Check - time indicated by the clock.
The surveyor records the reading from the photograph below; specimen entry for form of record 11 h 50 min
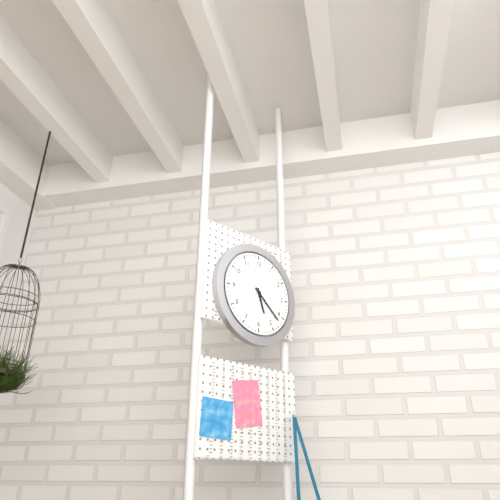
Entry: 5 h 22 min
